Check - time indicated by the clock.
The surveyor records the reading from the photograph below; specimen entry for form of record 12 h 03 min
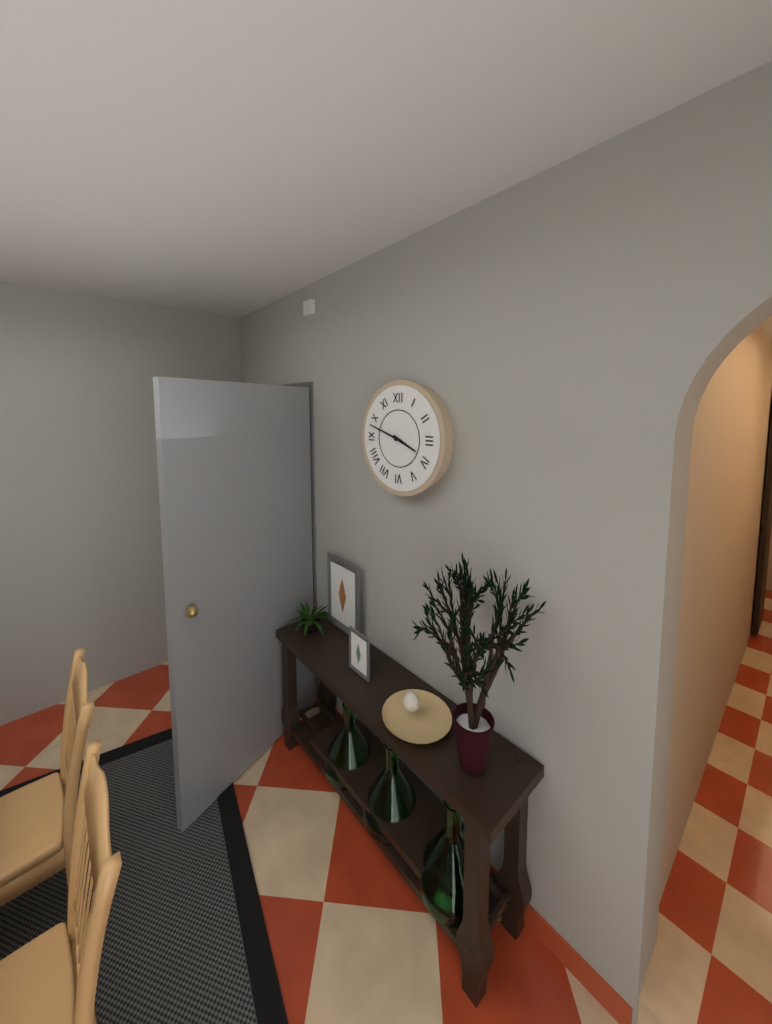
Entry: 3 h 48 min
